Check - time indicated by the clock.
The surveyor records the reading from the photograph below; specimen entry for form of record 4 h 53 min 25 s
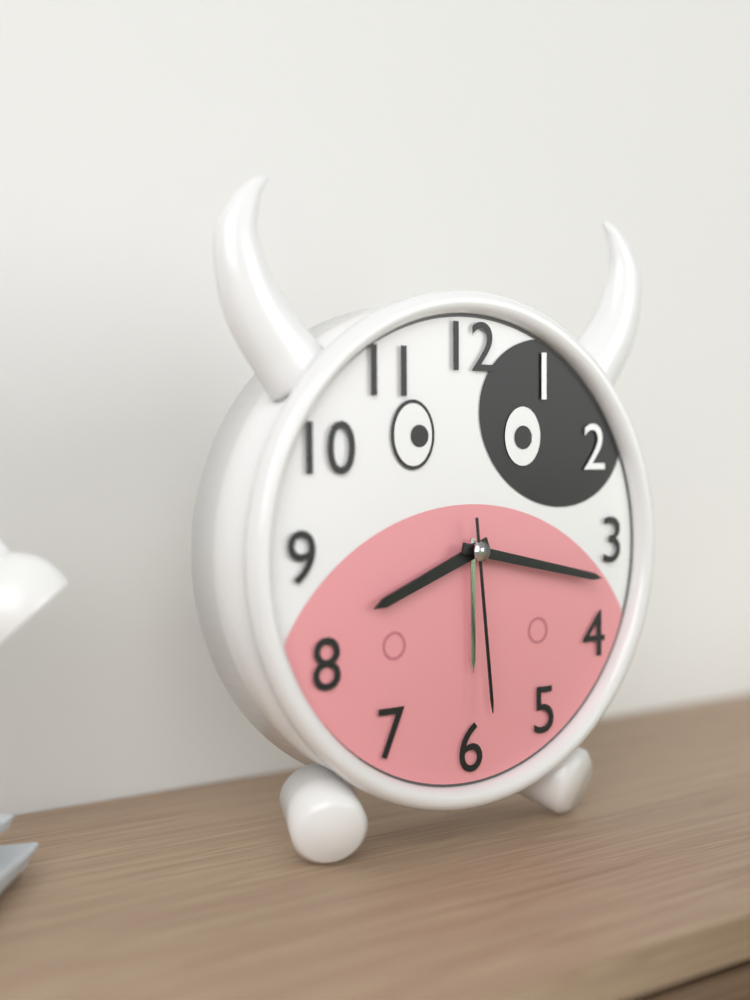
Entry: 8 h 17 min 29 s
